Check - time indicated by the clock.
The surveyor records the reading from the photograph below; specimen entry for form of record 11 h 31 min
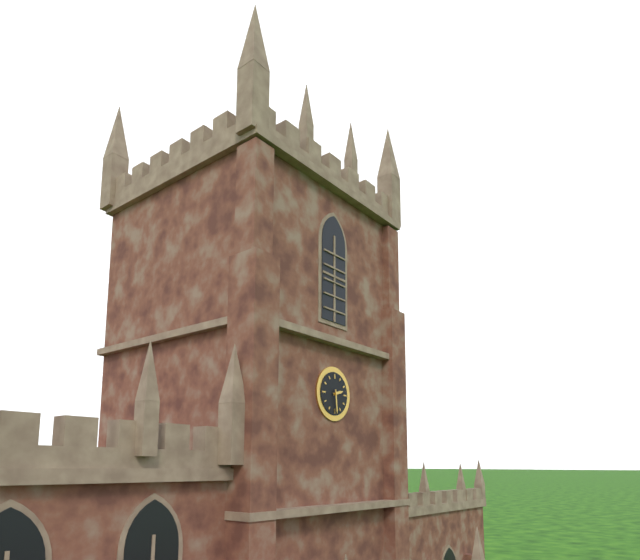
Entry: 2 h 29 min
